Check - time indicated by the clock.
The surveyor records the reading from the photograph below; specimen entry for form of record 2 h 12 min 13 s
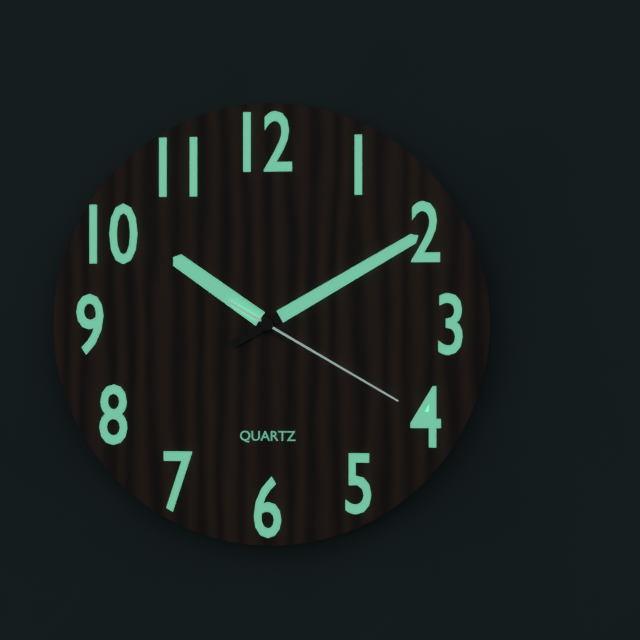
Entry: 10 h 10 min 20 s
